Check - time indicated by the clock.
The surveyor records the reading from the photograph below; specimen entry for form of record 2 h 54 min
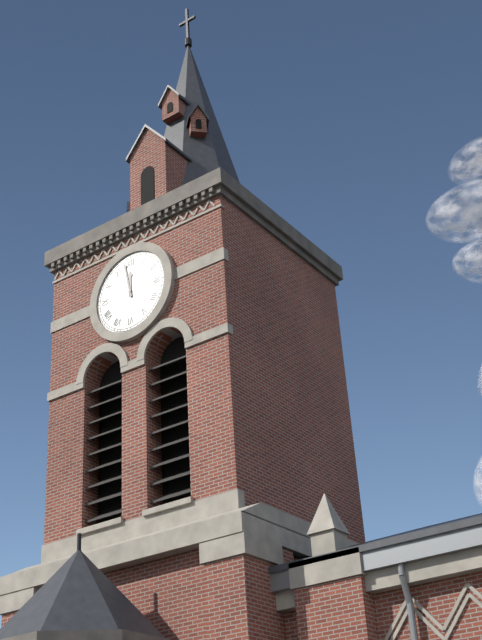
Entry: 11 h 58 min
